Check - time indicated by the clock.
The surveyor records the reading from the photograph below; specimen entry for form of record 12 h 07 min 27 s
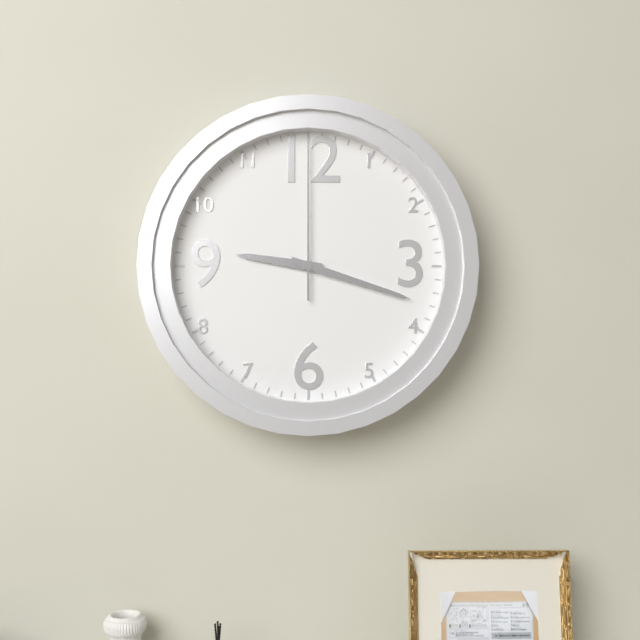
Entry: 9 h 18 min 00 s
